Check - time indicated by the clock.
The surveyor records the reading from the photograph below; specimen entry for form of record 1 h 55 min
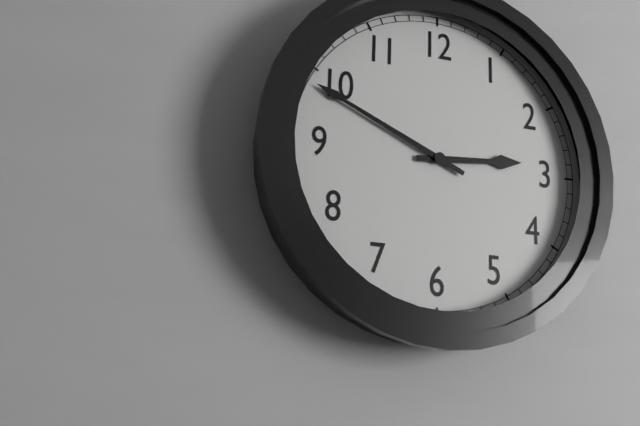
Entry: 2 h 49 min
